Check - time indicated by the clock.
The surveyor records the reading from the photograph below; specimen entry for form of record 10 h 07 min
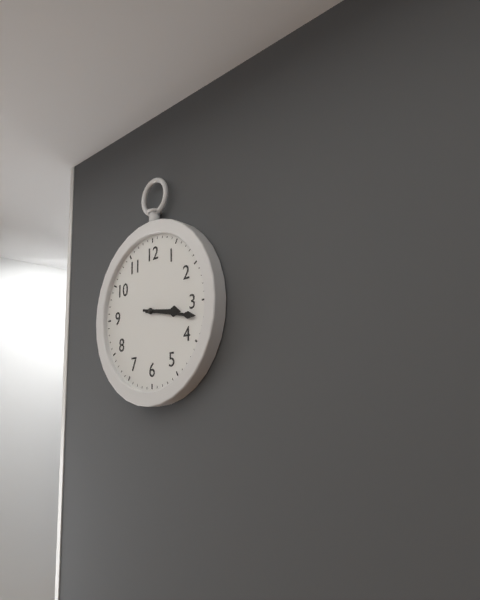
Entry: 3 h 17 min
